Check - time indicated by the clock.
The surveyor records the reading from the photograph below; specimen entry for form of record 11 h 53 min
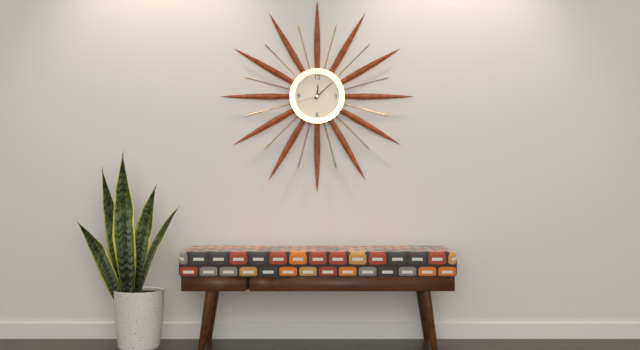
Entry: 12 h 08 min
